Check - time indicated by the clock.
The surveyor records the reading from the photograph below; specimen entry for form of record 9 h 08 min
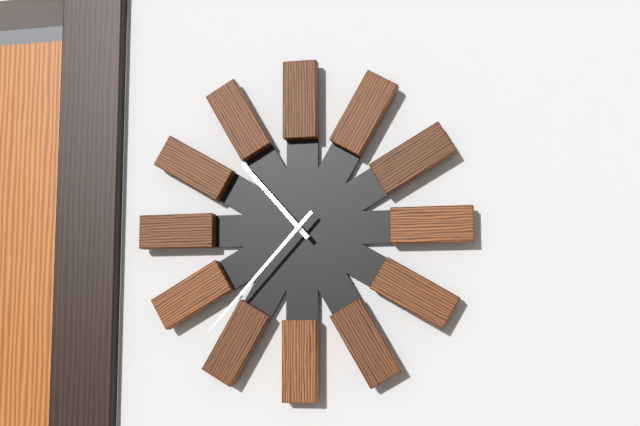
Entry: 10 h 37 min
